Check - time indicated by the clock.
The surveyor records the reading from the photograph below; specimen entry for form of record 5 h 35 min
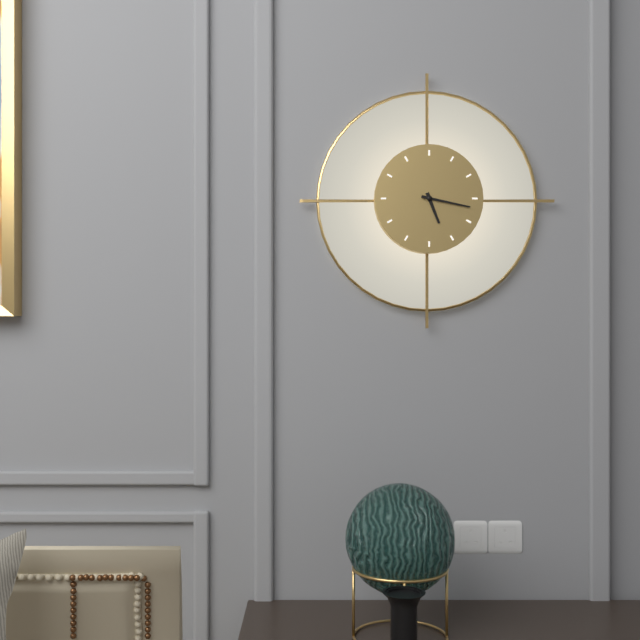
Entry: 5 h 17 min
